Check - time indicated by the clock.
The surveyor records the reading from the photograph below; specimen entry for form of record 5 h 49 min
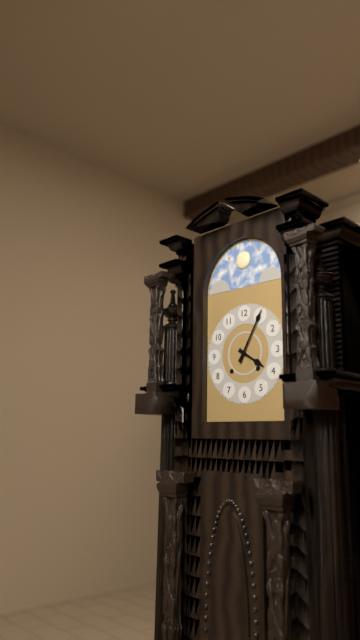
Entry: 4 h 05 min
